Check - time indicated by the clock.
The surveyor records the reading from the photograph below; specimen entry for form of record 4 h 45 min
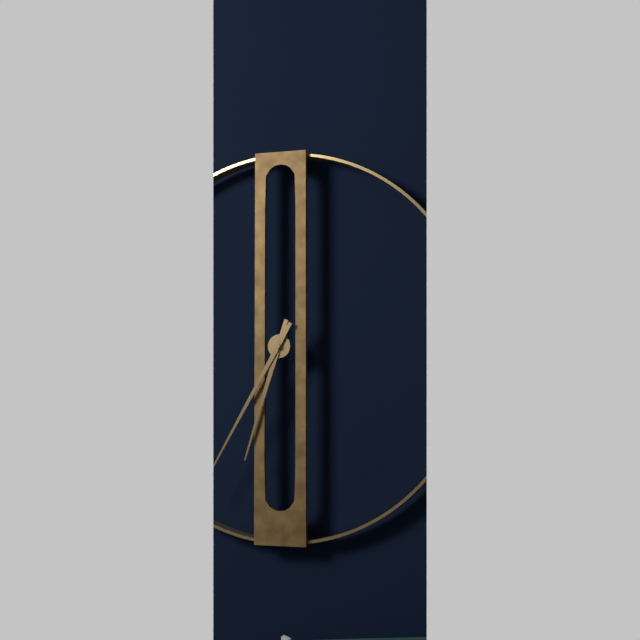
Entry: 6 h 35 min
